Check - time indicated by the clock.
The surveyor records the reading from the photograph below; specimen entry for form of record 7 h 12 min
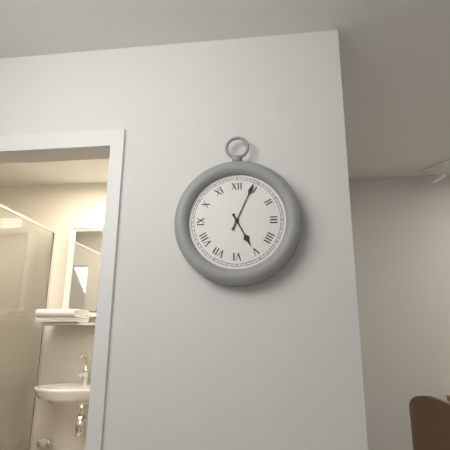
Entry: 5 h 04 min
